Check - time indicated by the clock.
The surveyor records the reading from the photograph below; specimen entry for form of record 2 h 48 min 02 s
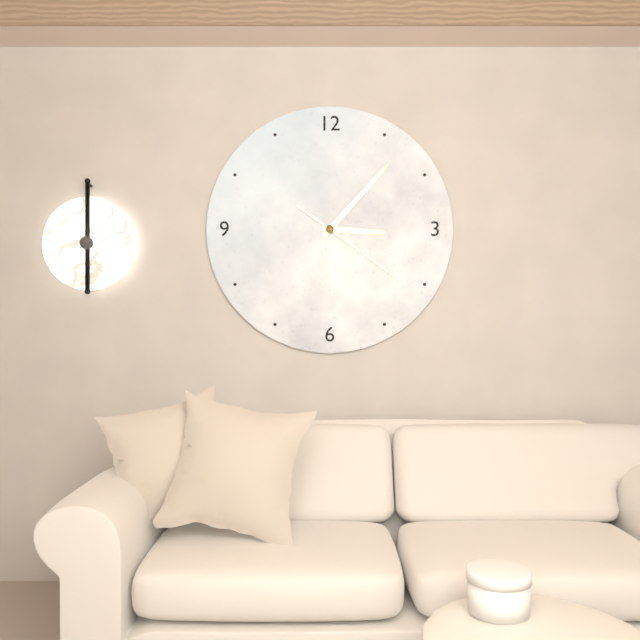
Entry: 3 h 07 min 21 s
